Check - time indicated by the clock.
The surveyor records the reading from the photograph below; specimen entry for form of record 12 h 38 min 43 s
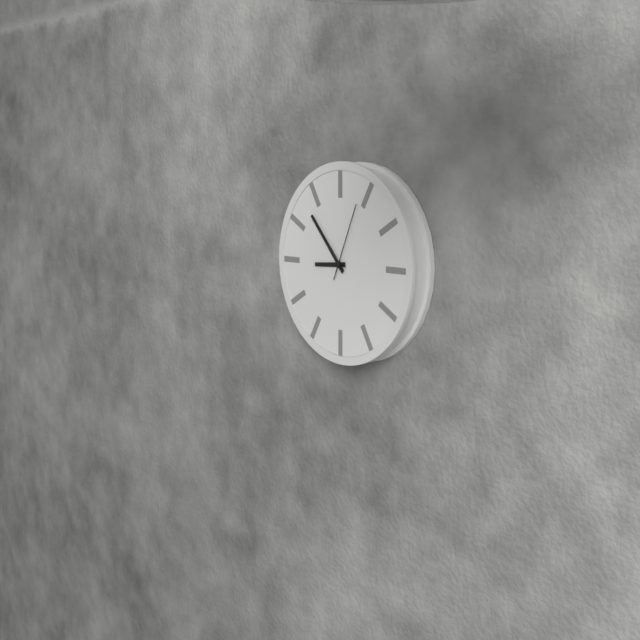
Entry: 8 h 53 min 04 s
